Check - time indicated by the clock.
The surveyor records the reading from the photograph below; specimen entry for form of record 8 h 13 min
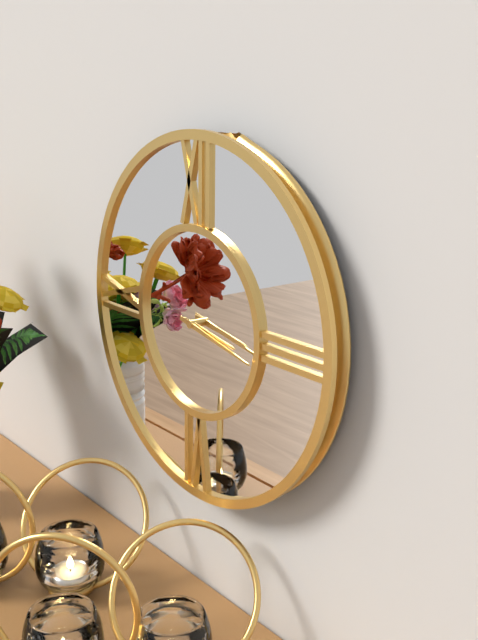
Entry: 3 h 17 min
